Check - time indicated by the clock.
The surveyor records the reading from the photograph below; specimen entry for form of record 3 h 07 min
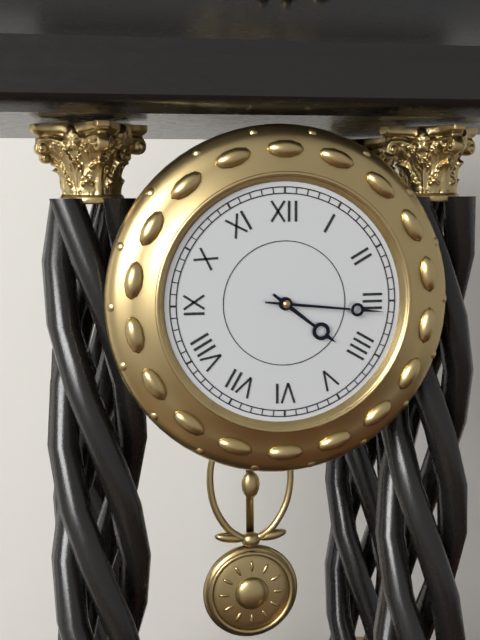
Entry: 4 h 16 min
